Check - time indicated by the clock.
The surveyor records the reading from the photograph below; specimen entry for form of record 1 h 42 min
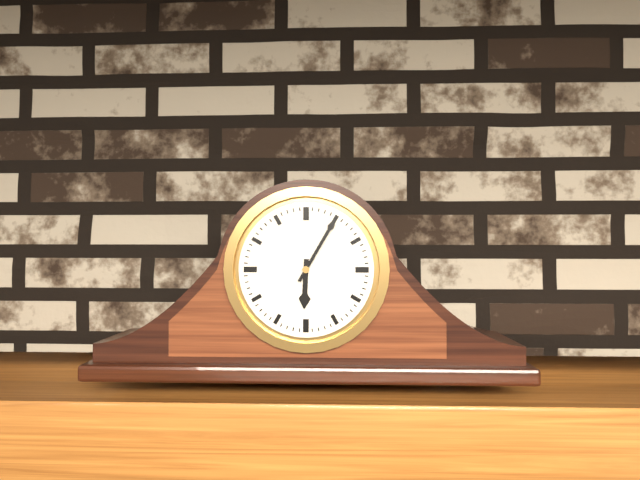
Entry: 6 h 05 min
